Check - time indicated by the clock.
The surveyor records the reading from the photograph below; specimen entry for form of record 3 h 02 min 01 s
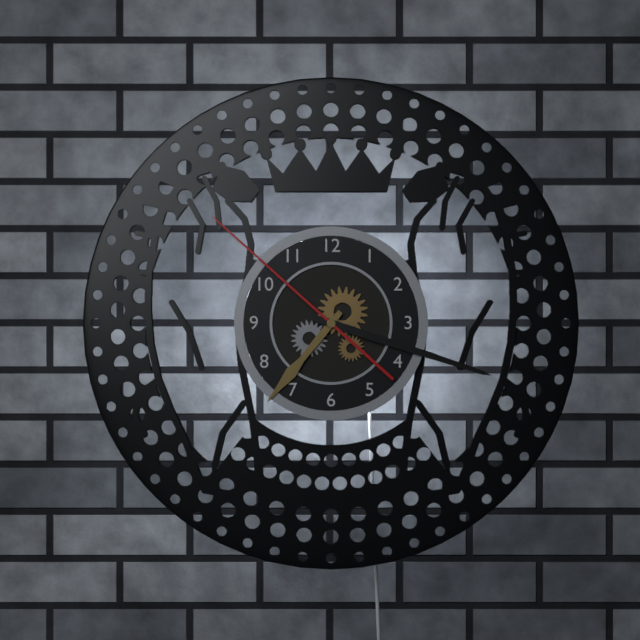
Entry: 7 h 18 min 52 s
